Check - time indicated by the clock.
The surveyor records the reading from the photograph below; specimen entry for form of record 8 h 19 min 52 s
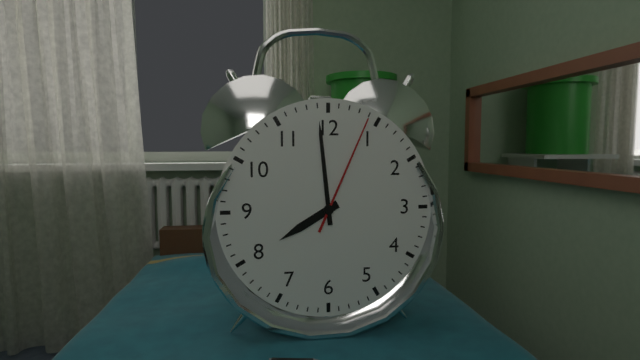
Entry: 7 h 59 min 04 s
